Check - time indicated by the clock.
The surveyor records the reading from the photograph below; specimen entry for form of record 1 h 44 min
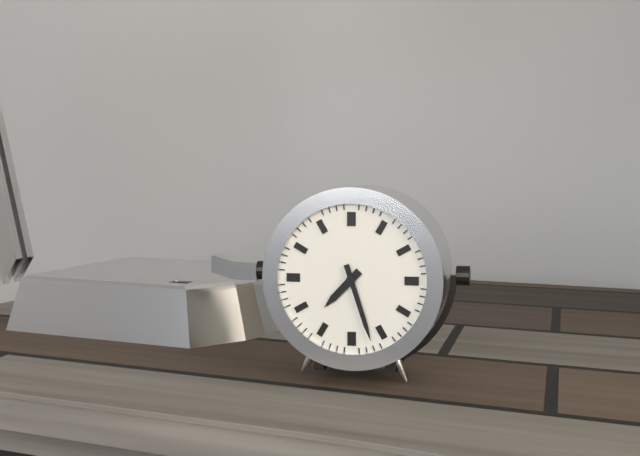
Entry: 7 h 27 min
